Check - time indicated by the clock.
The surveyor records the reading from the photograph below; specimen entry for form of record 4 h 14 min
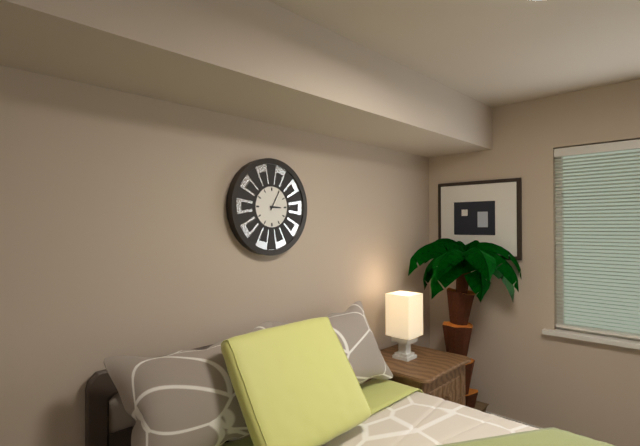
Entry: 3 h 05 min
